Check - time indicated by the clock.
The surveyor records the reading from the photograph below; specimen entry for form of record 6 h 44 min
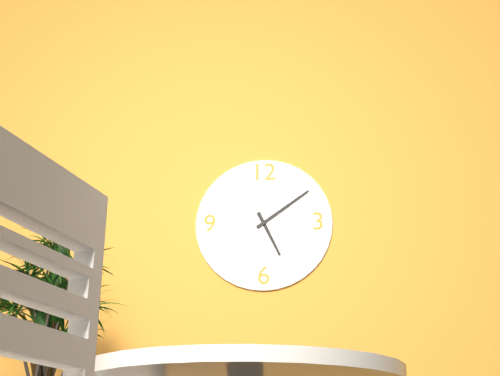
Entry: 5 h 09 min
